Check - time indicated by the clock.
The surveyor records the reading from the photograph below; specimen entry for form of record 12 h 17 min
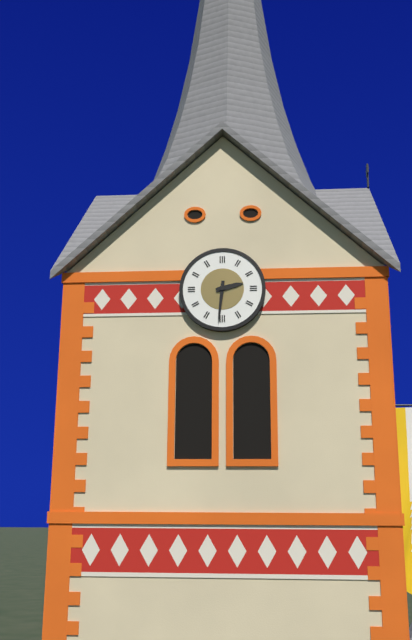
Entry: 2 h 31 min
